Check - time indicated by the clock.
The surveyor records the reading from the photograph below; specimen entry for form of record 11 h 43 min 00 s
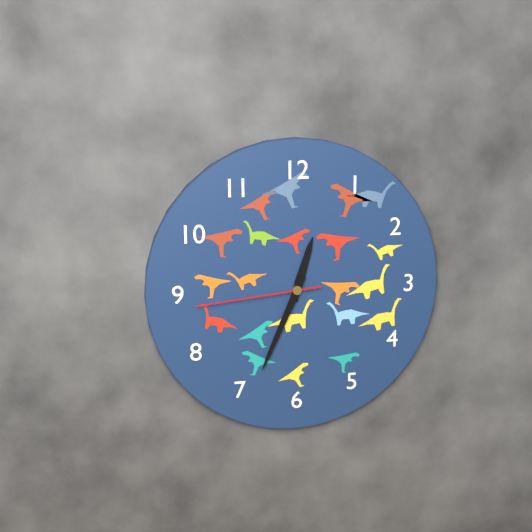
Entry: 12 h 34 min 44 s
